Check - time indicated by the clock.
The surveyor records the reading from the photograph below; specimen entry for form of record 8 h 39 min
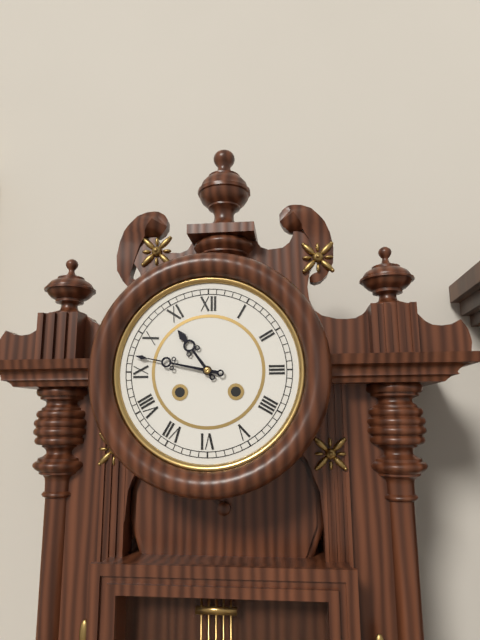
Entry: 10 h 47 min
